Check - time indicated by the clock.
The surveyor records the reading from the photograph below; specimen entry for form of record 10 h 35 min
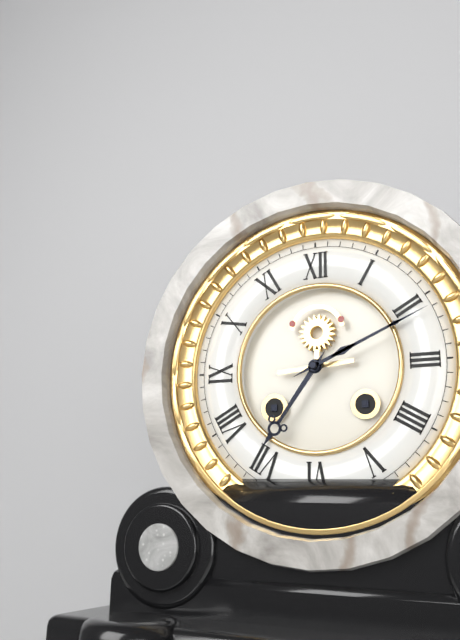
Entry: 7 h 11 min
